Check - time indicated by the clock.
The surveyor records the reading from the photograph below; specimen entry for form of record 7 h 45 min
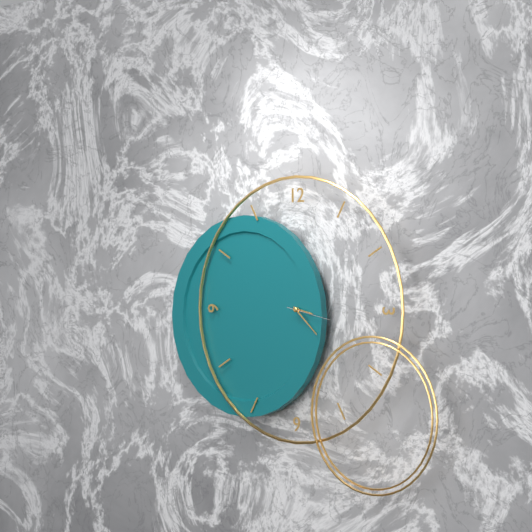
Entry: 3 h 22 min
